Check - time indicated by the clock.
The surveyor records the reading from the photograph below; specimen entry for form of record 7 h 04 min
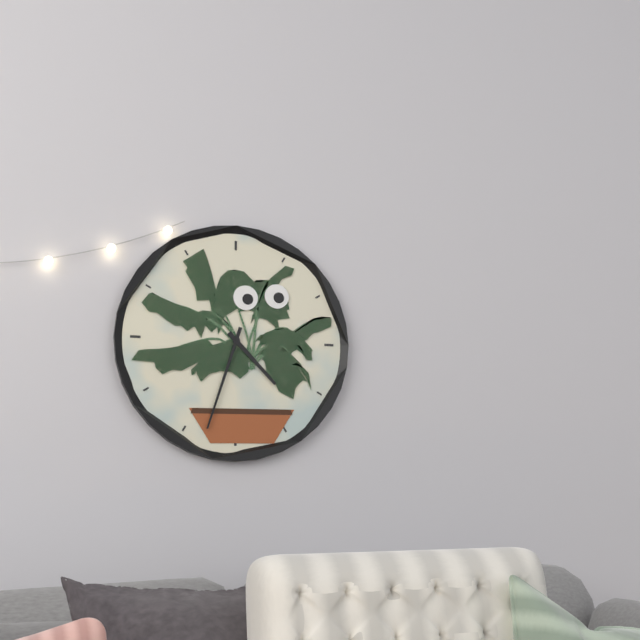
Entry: 4 h 33 min
